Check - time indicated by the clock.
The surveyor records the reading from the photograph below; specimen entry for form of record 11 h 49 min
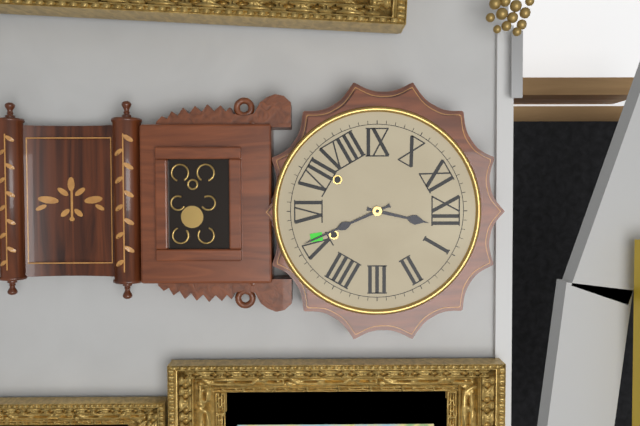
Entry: 12 h 26 min
